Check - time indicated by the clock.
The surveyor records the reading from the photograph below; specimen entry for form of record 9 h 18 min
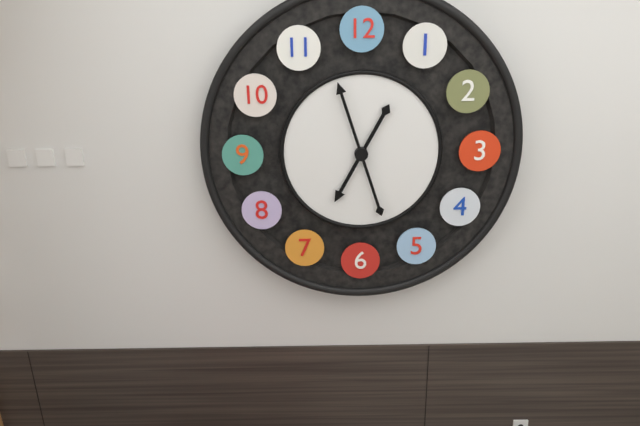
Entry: 6 h 57 min
